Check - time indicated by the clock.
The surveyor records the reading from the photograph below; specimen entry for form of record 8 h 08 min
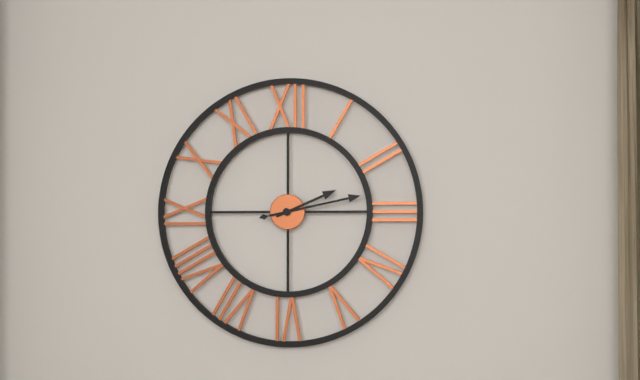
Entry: 2 h 13 min
